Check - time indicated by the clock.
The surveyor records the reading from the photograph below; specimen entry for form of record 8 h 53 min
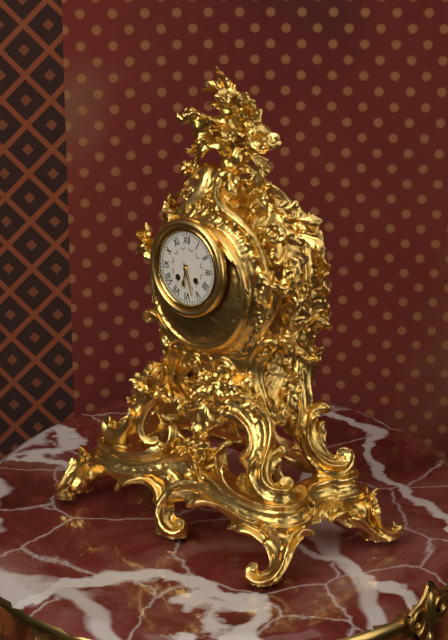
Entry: 6 h 27 min
